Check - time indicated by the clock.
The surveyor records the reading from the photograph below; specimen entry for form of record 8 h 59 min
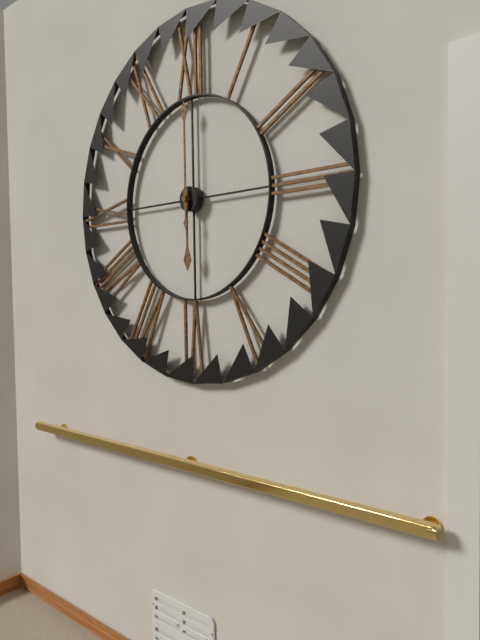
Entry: 6 h 00 min
